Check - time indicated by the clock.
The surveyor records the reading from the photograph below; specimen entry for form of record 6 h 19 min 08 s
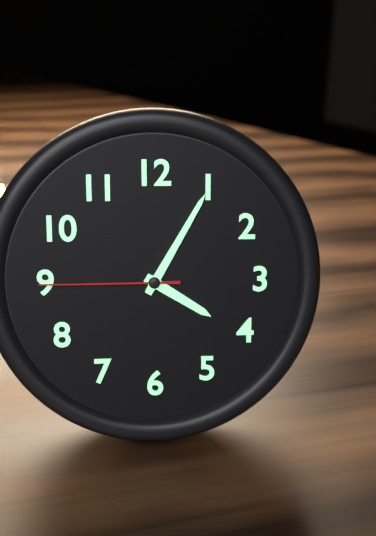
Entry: 4 h 05 min 45 s
